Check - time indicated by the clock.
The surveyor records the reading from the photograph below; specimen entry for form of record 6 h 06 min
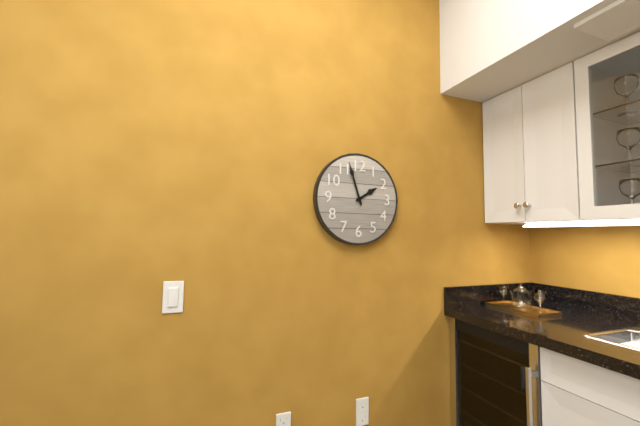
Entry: 1 h 57 min
